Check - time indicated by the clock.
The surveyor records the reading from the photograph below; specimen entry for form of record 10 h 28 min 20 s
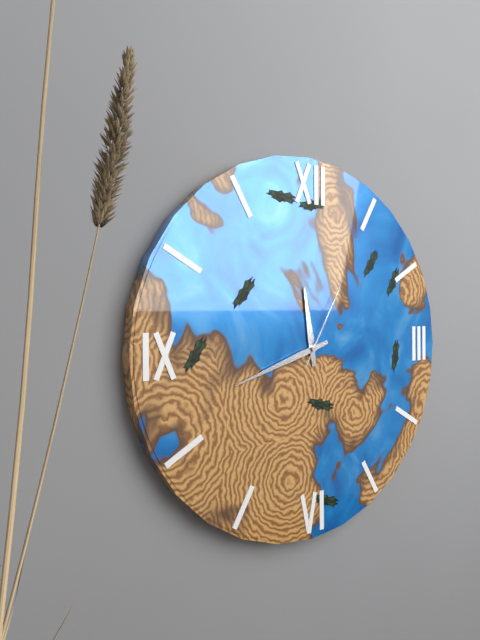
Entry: 11 h 42 min 05 s
